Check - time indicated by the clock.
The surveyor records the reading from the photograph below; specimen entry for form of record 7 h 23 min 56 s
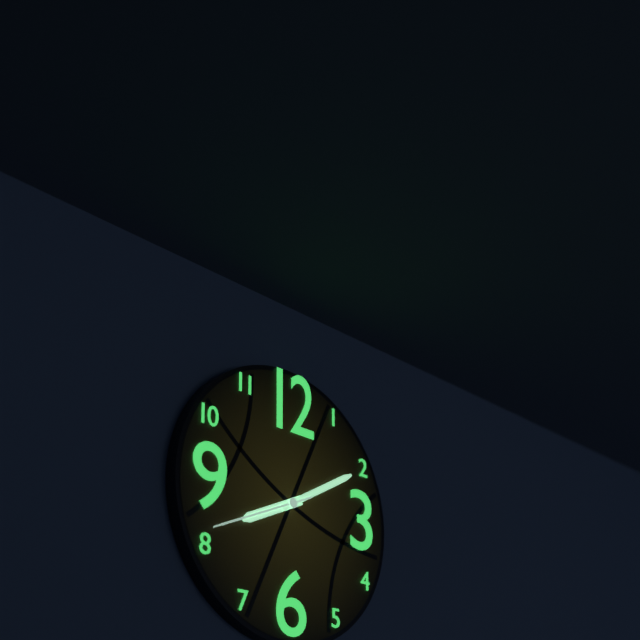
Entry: 8 h 10 min 41 s
